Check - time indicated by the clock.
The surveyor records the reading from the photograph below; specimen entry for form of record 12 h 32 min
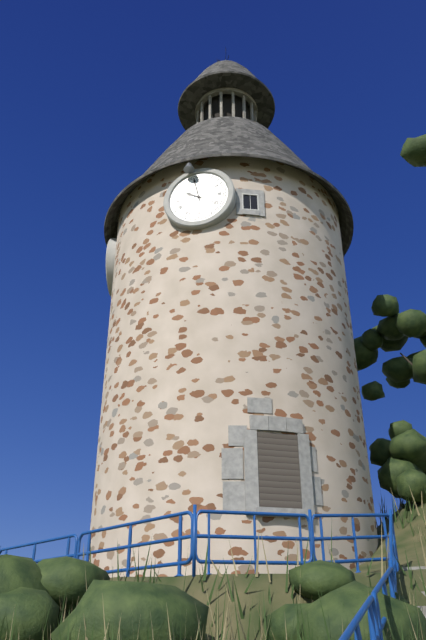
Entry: 9 h 58 min
